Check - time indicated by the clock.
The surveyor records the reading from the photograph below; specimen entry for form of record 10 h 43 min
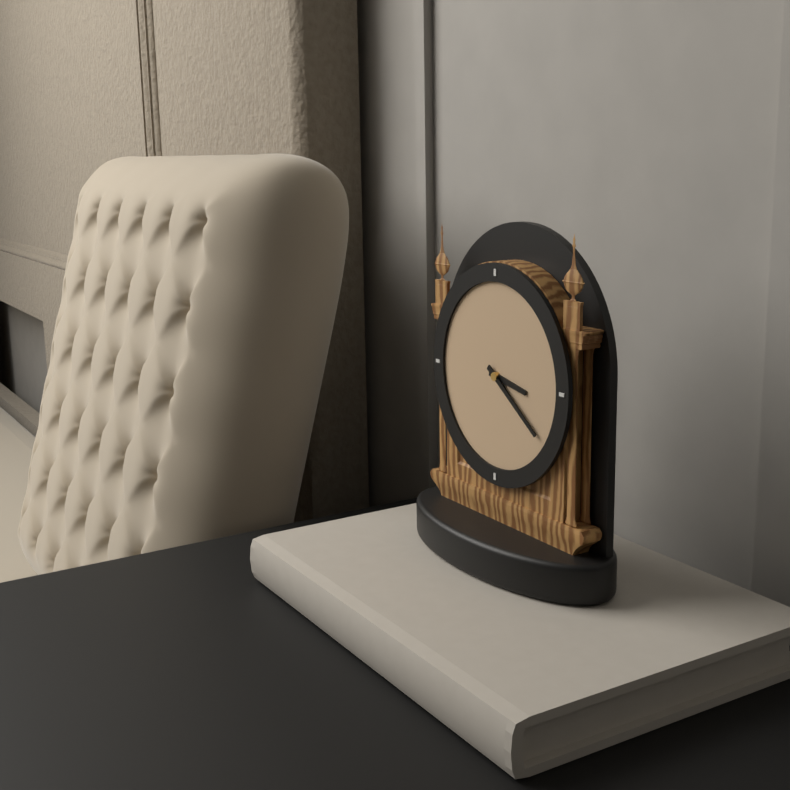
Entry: 3 h 21 min
